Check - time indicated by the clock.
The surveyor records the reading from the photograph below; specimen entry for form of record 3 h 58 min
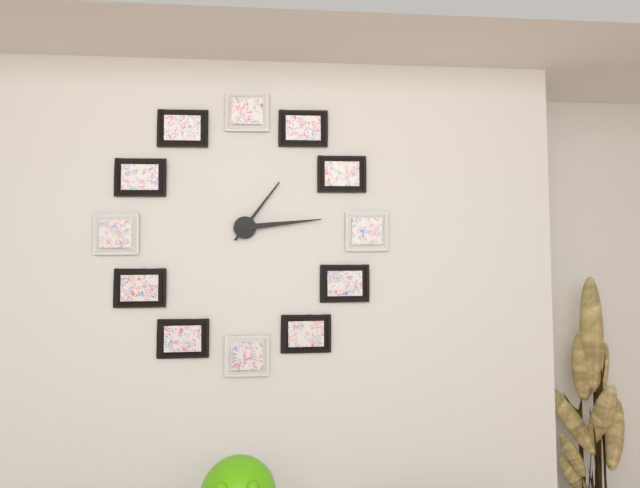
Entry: 1 h 14 min
